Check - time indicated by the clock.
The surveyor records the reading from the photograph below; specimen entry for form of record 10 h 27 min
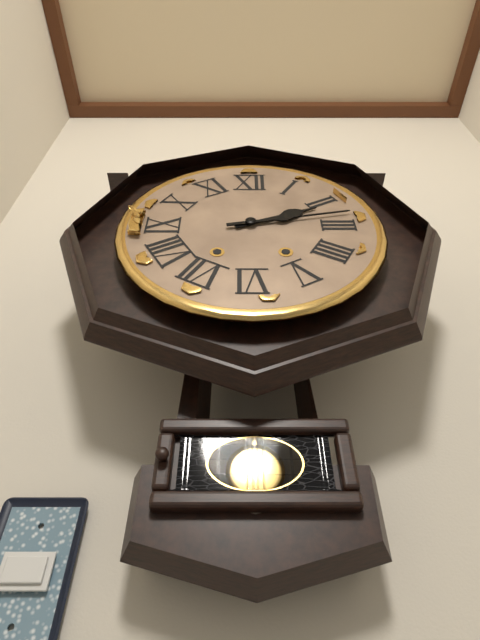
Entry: 2 h 13 min
